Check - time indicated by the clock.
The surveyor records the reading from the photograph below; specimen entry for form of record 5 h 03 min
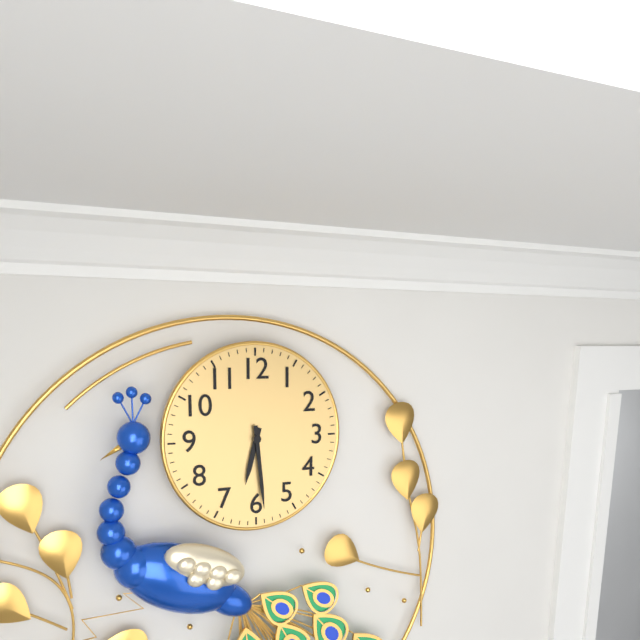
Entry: 6 h 29 min
